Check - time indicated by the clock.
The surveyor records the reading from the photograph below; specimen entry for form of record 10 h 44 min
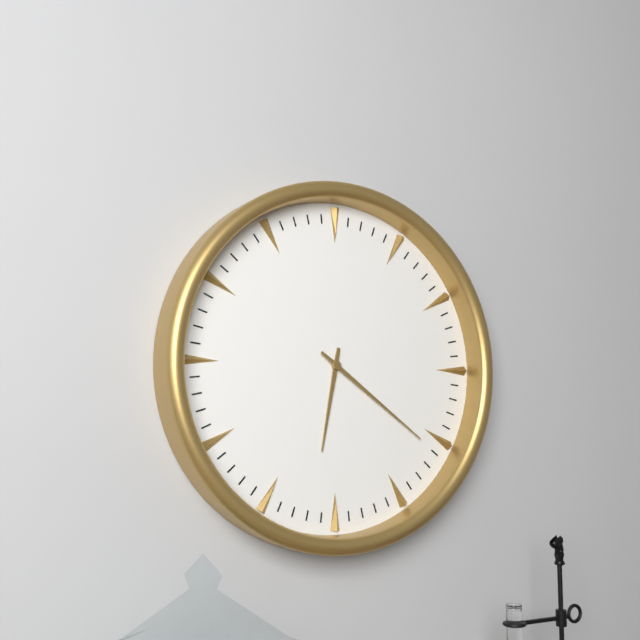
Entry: 6 h 21 min
